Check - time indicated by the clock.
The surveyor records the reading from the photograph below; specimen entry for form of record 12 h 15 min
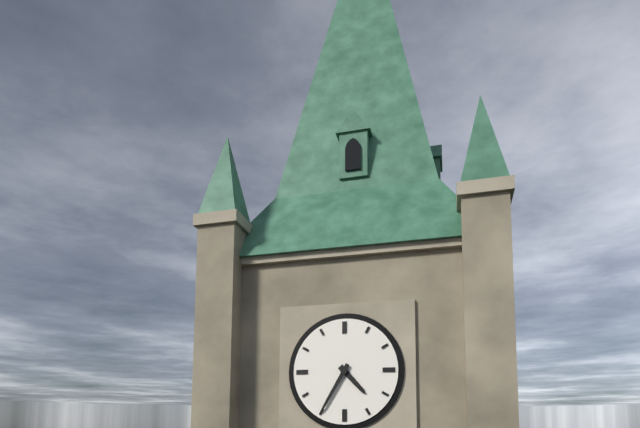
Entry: 4 h 35 min
